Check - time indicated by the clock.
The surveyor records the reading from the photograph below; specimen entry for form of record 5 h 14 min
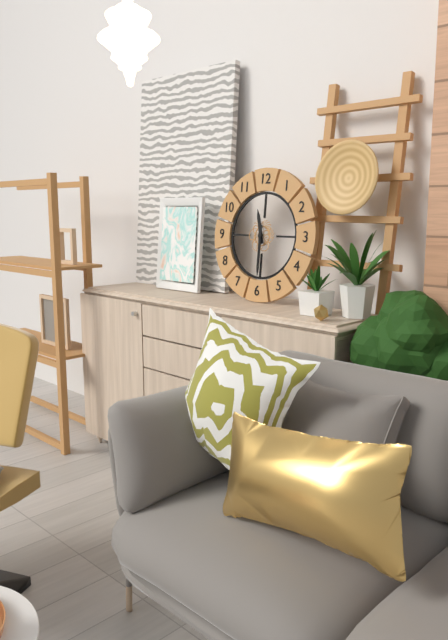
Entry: 11 h 30 min
